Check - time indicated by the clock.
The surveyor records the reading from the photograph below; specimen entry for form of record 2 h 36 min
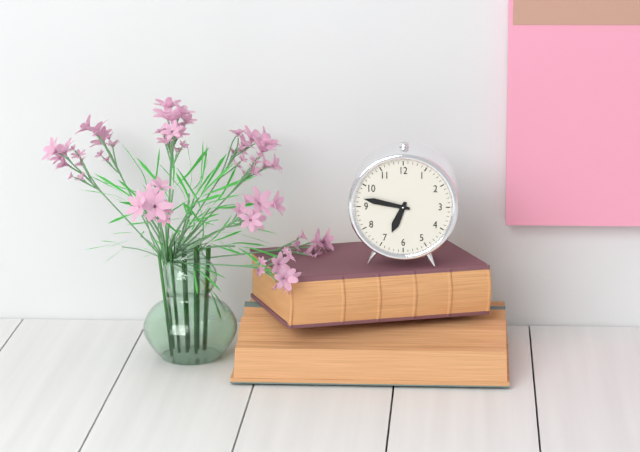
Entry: 6 h 47 min
